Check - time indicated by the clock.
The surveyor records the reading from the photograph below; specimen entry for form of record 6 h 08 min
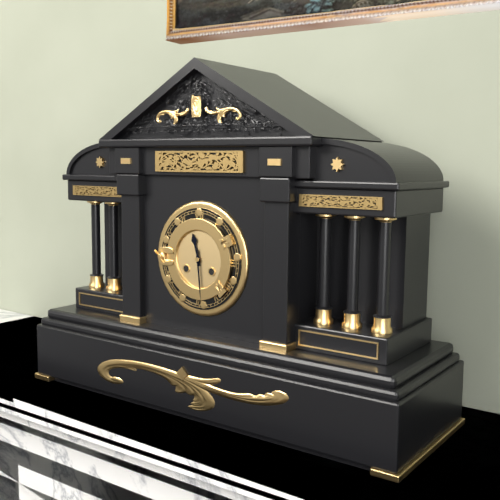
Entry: 11 h 29 min
